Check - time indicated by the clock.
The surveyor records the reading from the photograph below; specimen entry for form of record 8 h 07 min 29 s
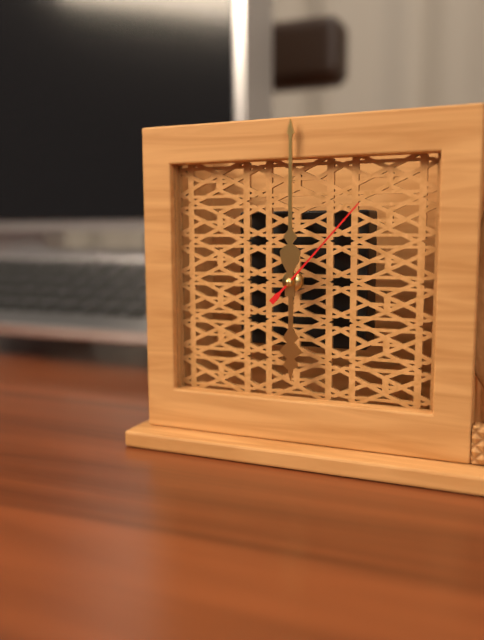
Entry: 6 h 00 min 07 s
